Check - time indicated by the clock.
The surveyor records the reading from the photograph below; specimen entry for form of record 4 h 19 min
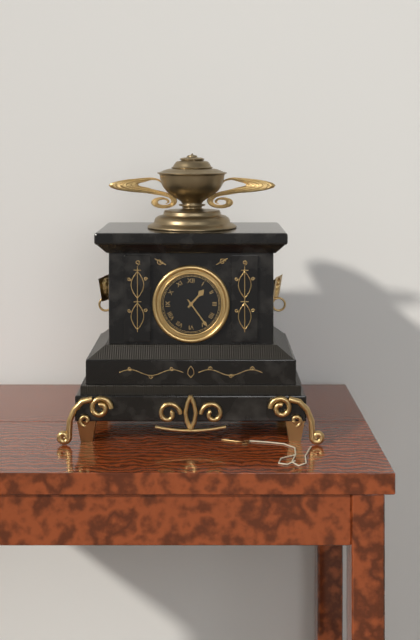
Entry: 1 h 24 min
